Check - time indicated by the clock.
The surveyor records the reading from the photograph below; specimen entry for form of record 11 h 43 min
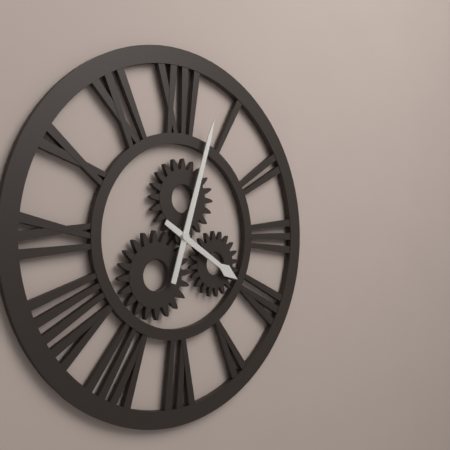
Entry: 4 h 03 min
